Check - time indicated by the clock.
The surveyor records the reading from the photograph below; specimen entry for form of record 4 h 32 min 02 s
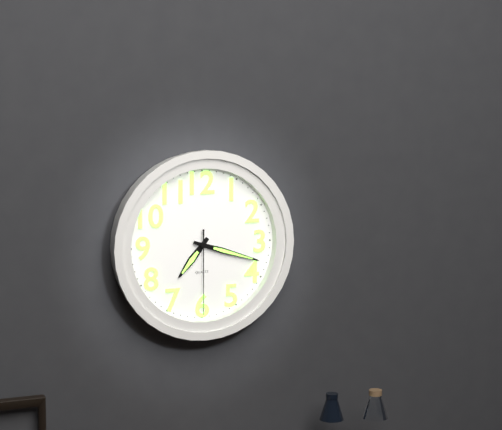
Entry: 7 h 18 min 30 s
